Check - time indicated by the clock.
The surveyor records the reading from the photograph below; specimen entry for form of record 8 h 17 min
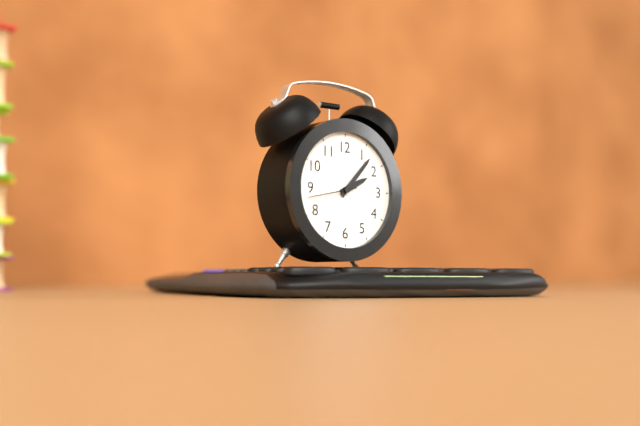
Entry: 2 h 07 min
